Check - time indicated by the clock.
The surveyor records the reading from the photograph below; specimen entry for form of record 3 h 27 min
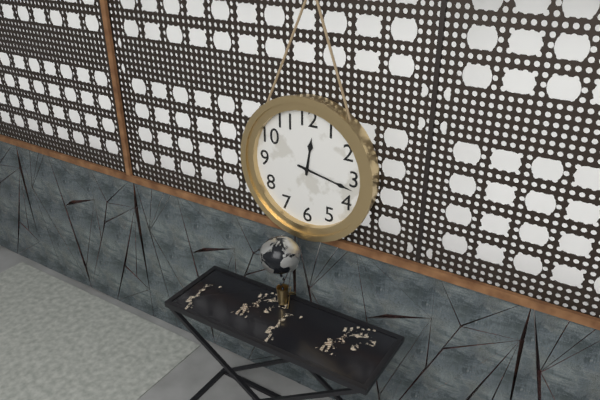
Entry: 12 h 17 min
